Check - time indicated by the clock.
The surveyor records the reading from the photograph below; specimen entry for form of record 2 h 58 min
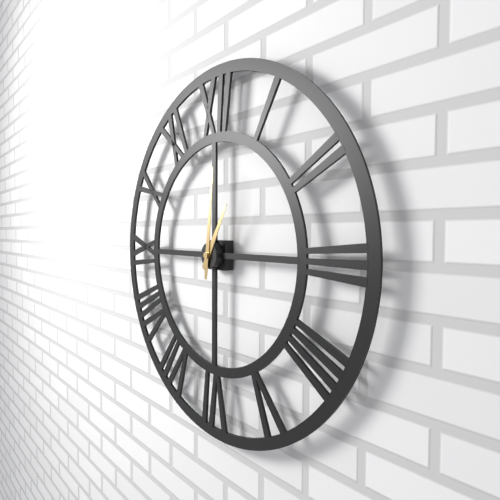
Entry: 1 h 01 min
